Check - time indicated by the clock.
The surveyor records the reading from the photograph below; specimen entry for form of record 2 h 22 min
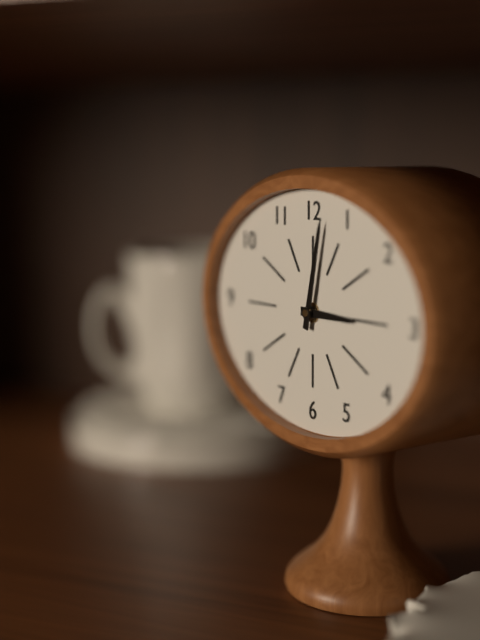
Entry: 3 h 02 min
